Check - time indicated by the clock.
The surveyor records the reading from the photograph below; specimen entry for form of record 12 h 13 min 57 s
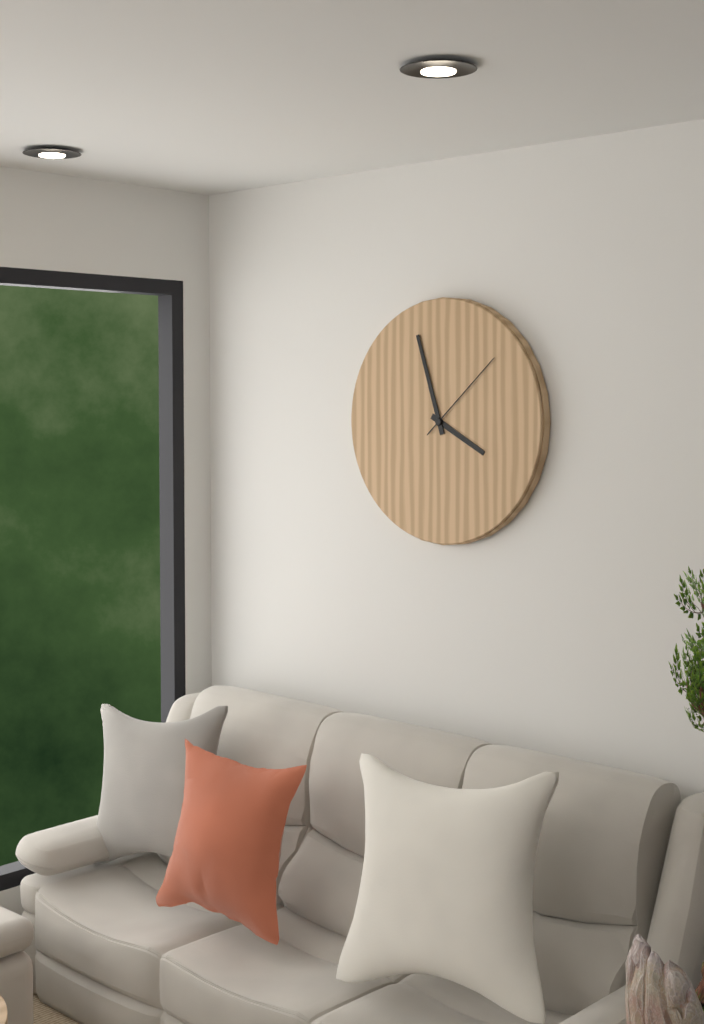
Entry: 3 h 57 min 08 s
